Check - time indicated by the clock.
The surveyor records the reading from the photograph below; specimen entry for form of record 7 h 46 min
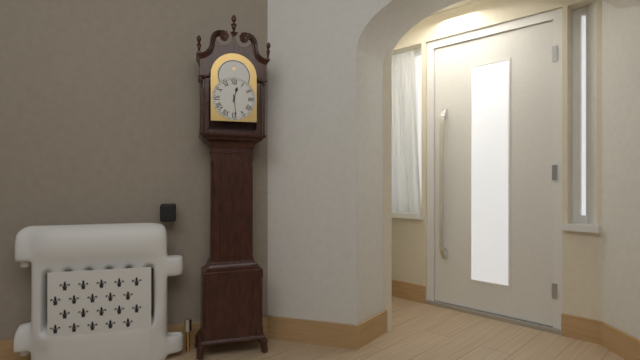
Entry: 12 h 29 min
